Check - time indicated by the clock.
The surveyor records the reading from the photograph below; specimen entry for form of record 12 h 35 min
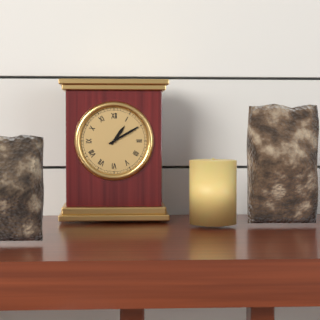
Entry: 1 h 10 min
